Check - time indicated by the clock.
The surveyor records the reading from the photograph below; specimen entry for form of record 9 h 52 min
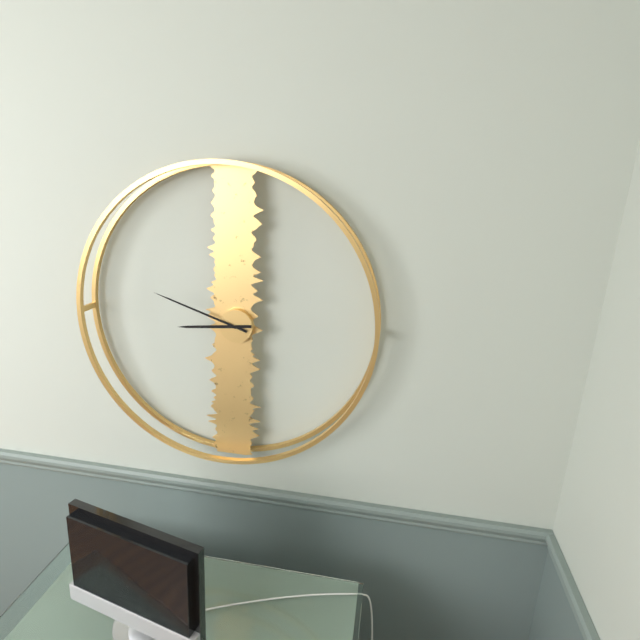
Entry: 8 h 48 min
